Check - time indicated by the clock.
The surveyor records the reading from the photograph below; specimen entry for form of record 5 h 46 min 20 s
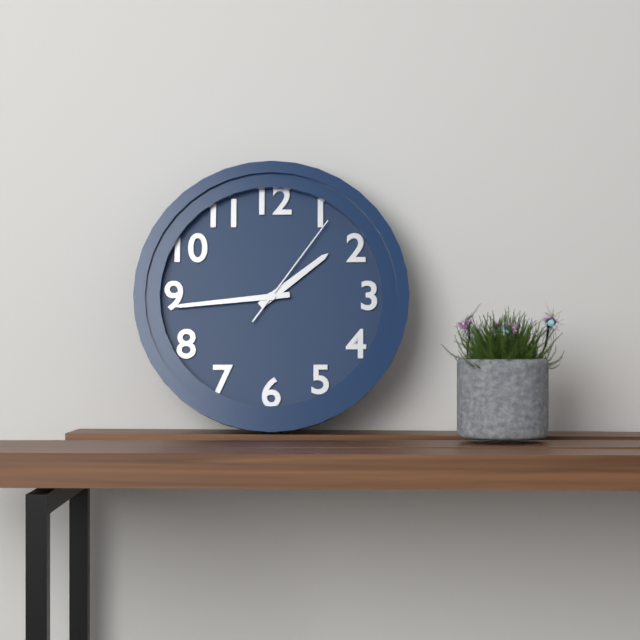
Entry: 1 h 44 min 06 s
